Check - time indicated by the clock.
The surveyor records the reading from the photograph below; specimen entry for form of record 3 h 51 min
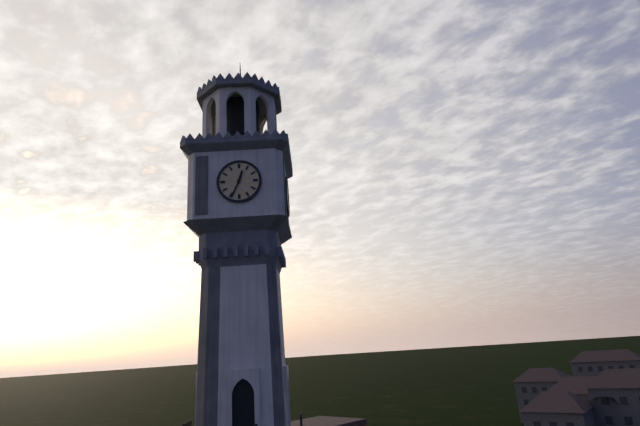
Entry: 12 h 34 min
